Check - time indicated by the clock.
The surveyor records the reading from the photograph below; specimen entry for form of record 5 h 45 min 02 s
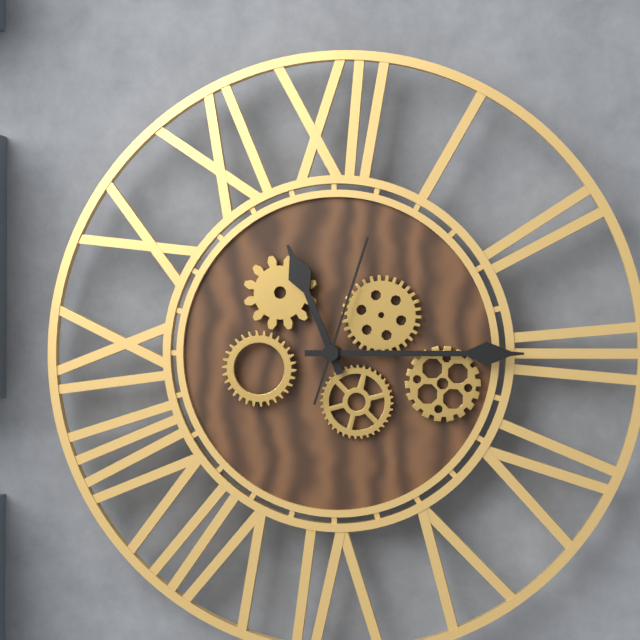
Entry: 11 h 15 min 03 s
